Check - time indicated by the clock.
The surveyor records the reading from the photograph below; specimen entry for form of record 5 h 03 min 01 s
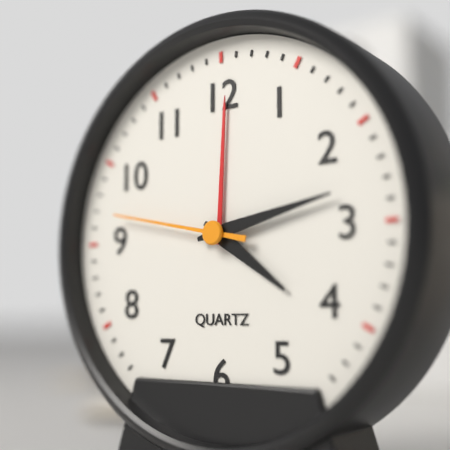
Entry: 4 h 13 min 47 s
